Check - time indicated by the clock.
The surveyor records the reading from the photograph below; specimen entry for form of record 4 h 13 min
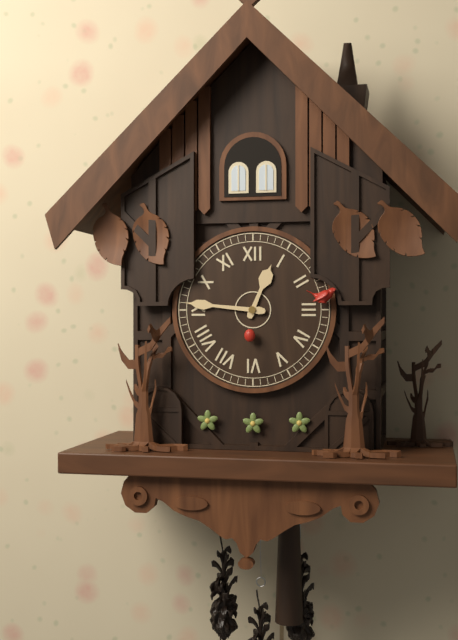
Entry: 12 h 46 min
